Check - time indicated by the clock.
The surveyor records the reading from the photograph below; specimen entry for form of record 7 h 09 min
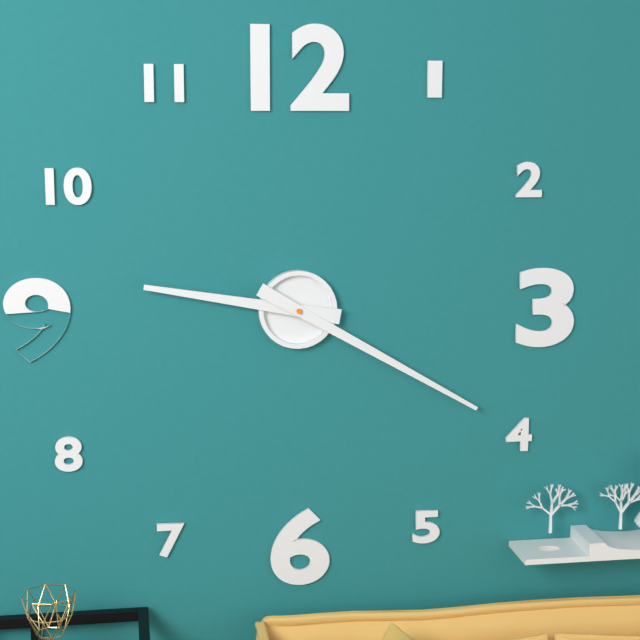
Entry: 9 h 20 min
